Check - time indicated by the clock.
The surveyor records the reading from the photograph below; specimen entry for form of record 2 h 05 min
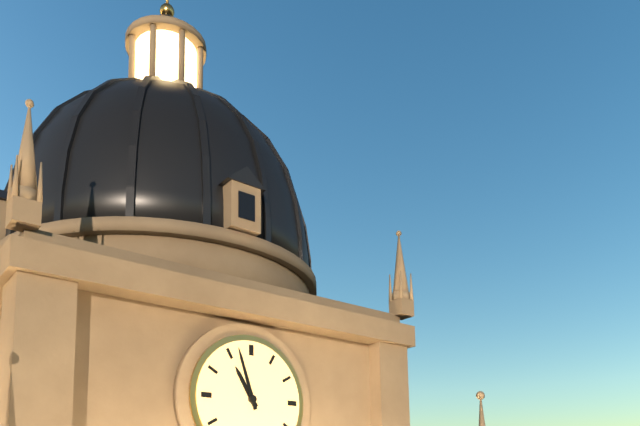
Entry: 10 h 57 min
